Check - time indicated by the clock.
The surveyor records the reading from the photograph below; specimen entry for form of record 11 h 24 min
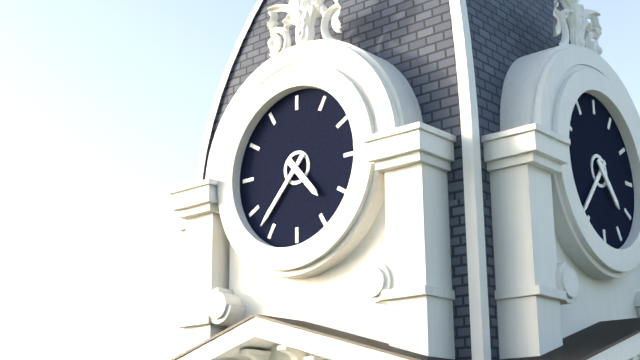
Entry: 4 h 37 min
